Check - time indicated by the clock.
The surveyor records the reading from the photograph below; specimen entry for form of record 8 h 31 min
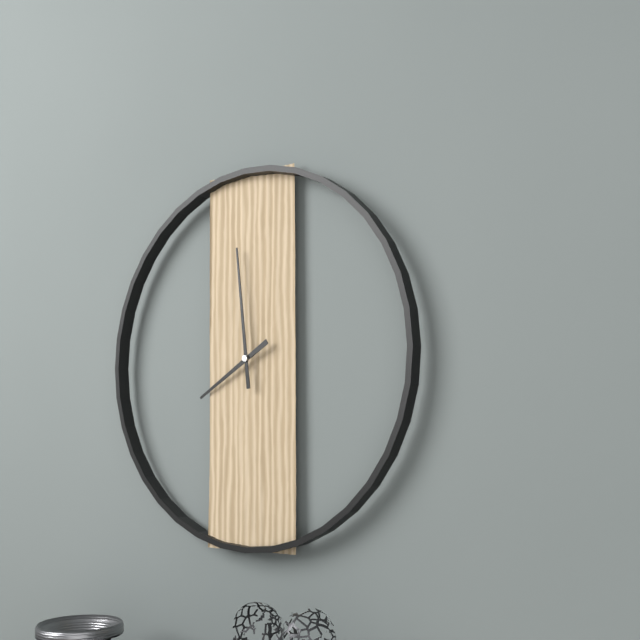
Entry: 7 h 59 min
